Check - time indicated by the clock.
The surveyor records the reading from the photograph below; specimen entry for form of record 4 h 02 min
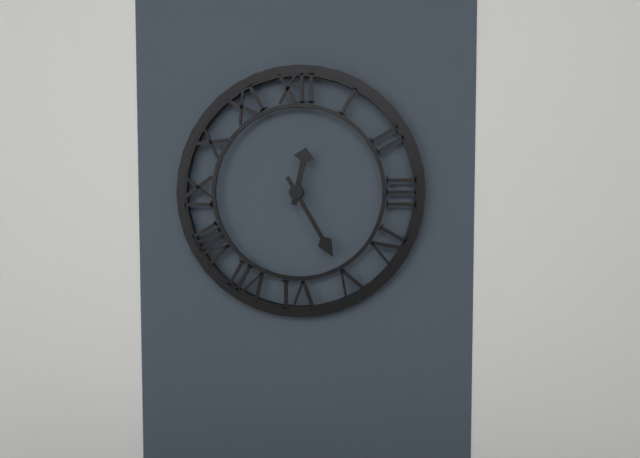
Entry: 12 h 25 min
